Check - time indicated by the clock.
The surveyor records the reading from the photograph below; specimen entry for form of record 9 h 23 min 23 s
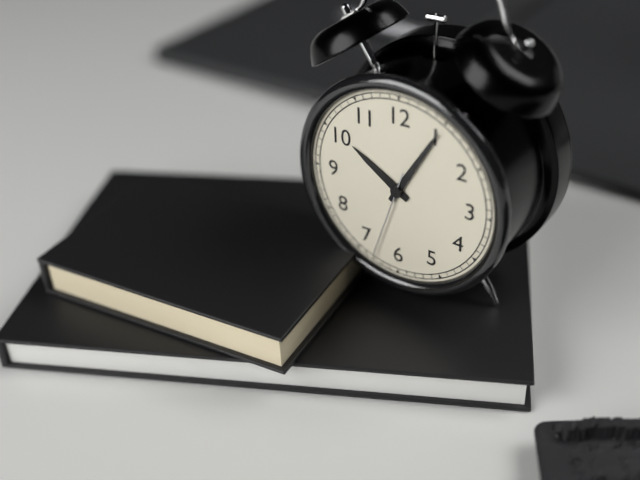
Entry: 10 h 05 min 33 s
